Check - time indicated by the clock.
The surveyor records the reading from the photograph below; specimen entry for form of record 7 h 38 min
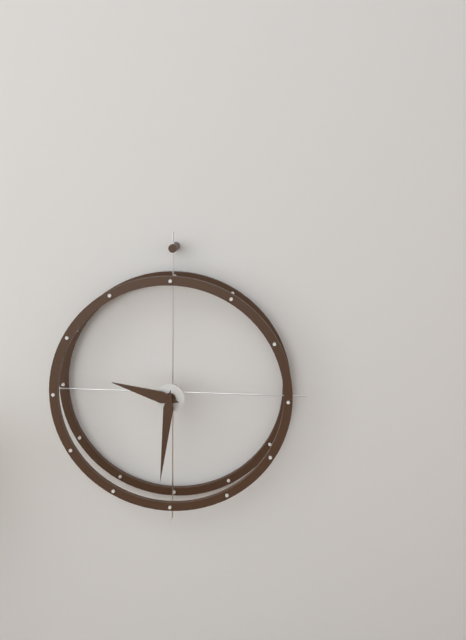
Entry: 9 h 31 min
